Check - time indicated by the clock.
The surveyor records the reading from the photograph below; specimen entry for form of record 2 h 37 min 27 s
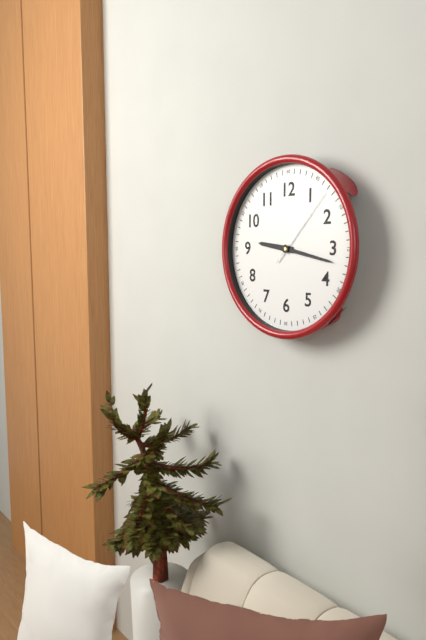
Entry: 9 h 17 min 07 s
